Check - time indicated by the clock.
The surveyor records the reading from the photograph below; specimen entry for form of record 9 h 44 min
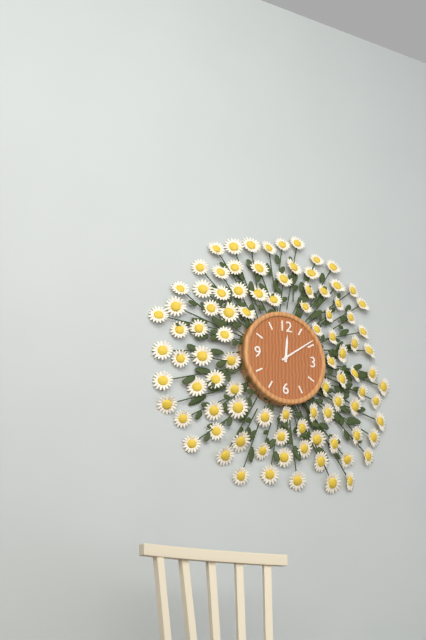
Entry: 12 h 09 min
